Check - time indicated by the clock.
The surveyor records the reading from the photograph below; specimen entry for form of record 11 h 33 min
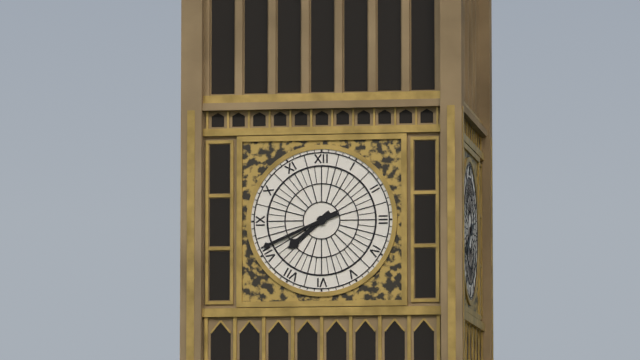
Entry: 7 h 41 min
